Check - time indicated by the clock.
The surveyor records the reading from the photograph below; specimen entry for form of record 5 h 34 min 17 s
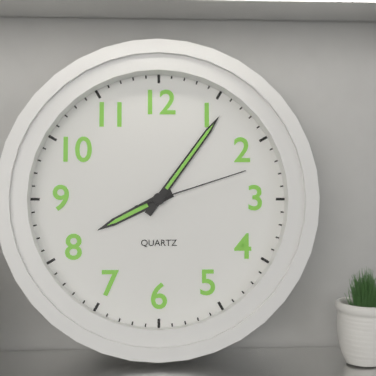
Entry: 8 h 06 min 12 s
